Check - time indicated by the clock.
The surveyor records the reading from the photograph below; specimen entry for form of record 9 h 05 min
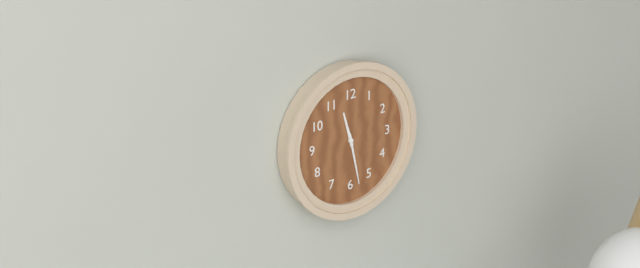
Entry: 11 h 28 min
